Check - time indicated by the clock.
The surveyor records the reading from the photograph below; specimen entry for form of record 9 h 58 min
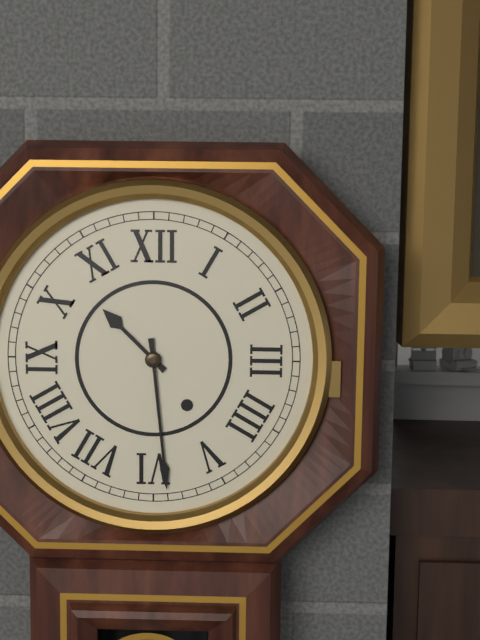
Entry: 10 h 29 min
